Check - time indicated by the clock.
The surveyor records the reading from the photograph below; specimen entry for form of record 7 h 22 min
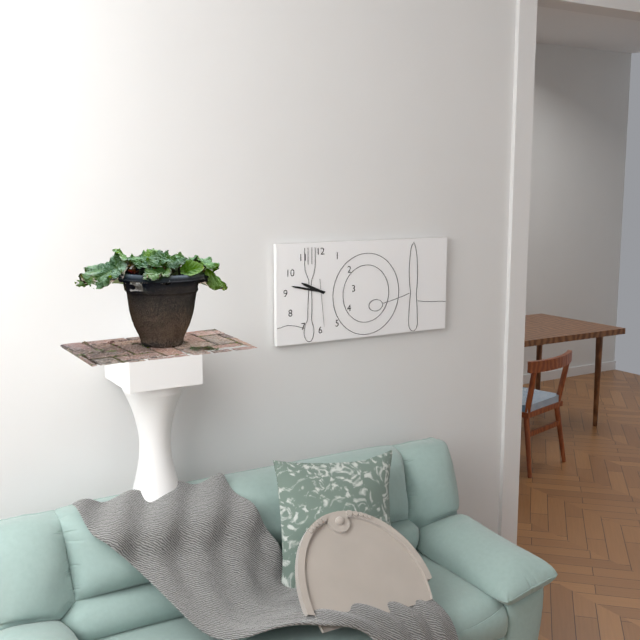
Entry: 9 h 47 min
